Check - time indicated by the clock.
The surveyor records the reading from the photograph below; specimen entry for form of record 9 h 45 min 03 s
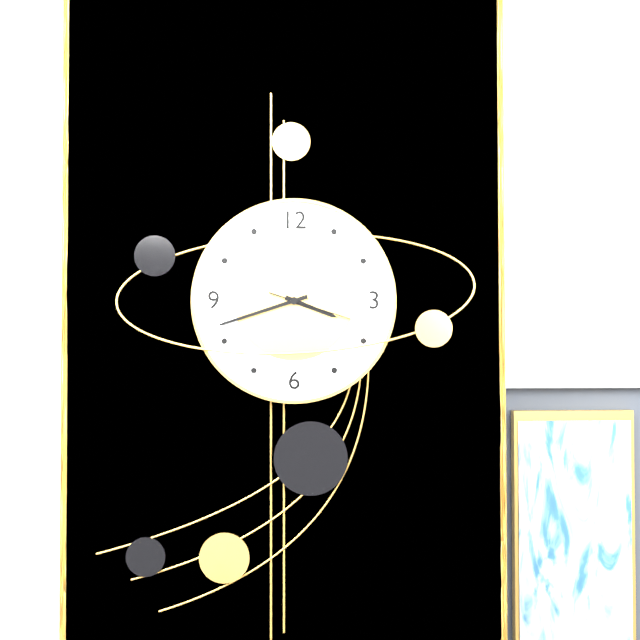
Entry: 3 h 42 min 18 s
